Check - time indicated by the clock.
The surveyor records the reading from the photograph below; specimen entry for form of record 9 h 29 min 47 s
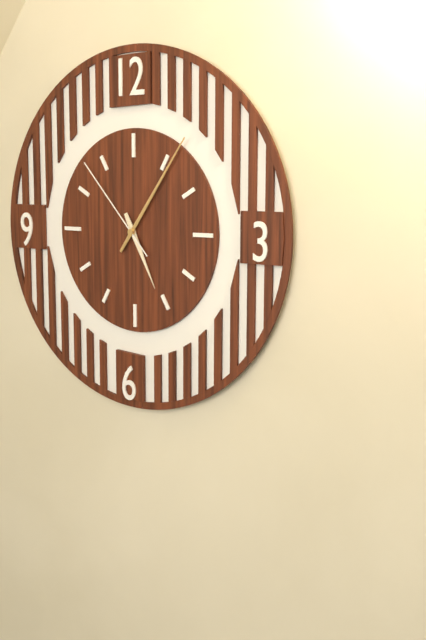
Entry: 5 h 06 min 53 s
